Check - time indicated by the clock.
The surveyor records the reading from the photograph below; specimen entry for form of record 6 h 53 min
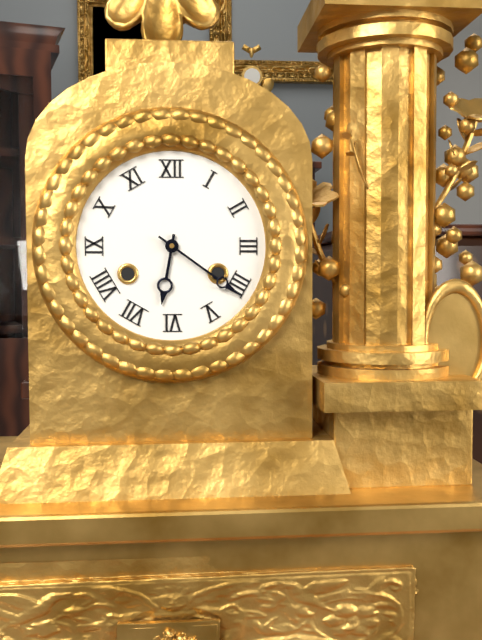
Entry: 6 h 21 min
